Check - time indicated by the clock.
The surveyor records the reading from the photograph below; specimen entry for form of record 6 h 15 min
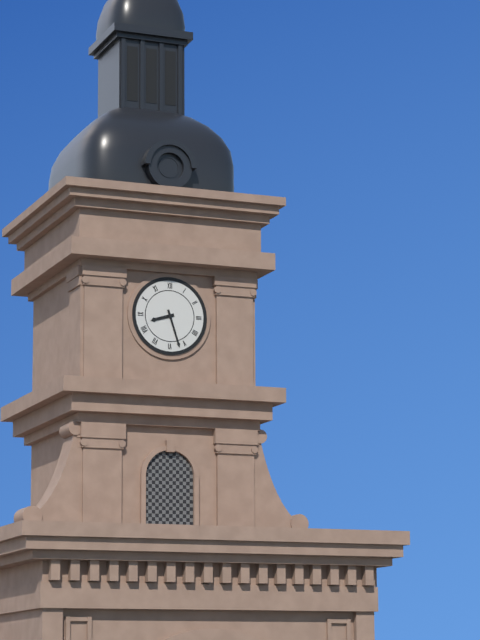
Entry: 8 h 27 min
